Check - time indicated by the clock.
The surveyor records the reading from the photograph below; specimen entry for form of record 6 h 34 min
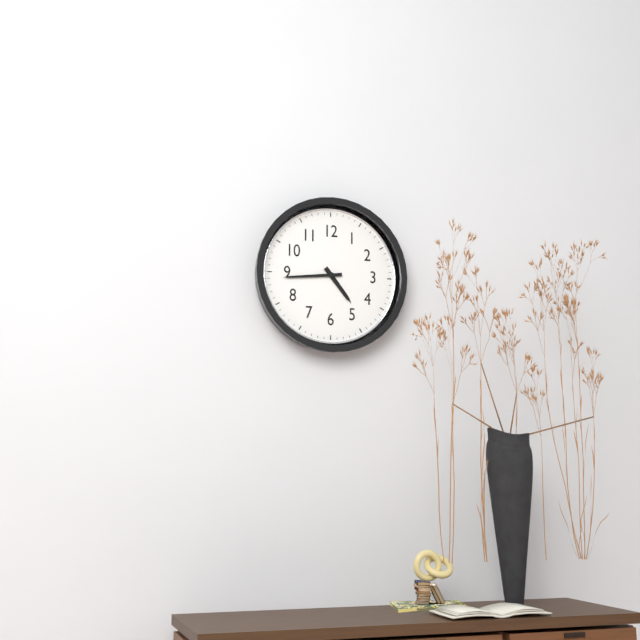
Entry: 4 h 44 min
